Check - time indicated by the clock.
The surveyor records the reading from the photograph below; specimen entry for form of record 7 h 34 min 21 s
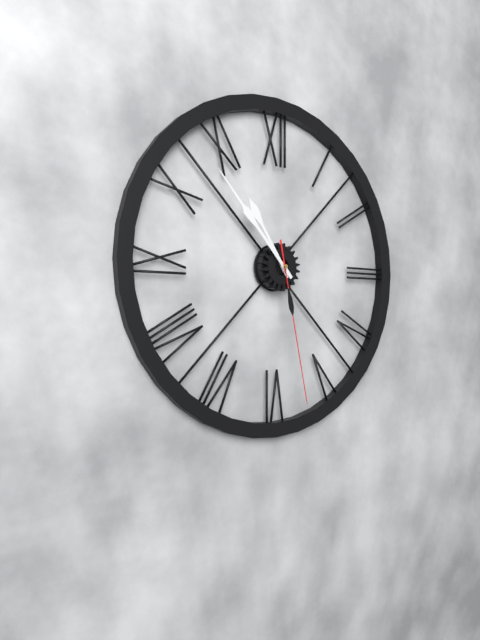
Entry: 10 h 53 min 28 s
